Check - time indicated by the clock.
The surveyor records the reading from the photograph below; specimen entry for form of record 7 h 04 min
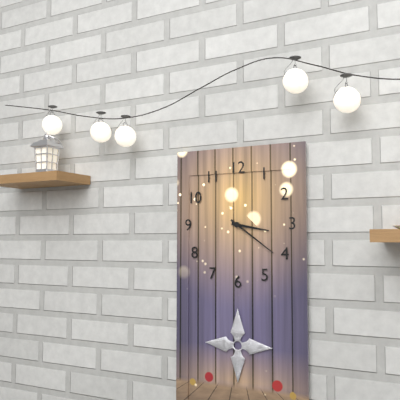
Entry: 3 h 21 min
